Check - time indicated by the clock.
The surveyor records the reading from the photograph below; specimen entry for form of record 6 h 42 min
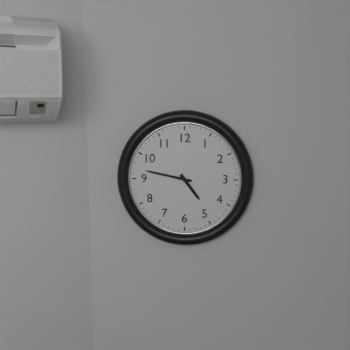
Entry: 4 h 47 min
